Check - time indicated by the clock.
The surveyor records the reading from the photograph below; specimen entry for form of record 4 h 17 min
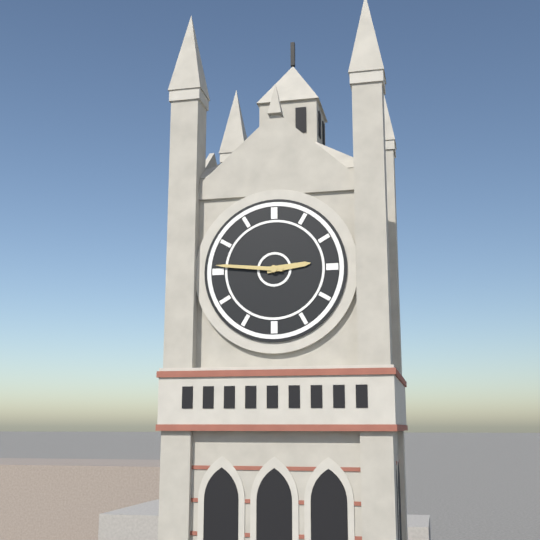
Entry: 2 h 46 min
